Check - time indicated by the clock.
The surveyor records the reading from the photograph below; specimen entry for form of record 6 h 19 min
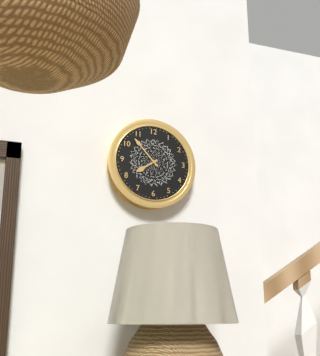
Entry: 7 h 53 min
